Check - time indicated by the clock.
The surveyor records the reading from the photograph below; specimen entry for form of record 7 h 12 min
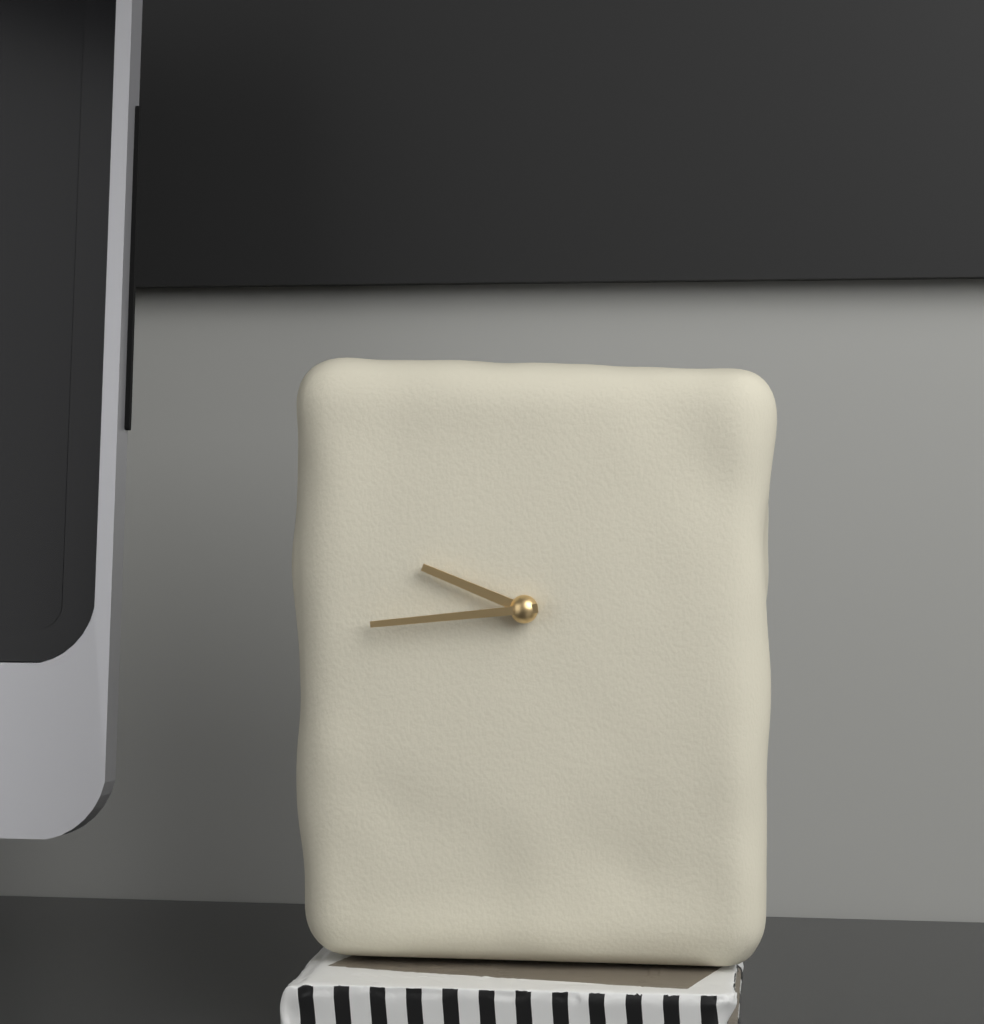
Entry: 9 h 44 min
